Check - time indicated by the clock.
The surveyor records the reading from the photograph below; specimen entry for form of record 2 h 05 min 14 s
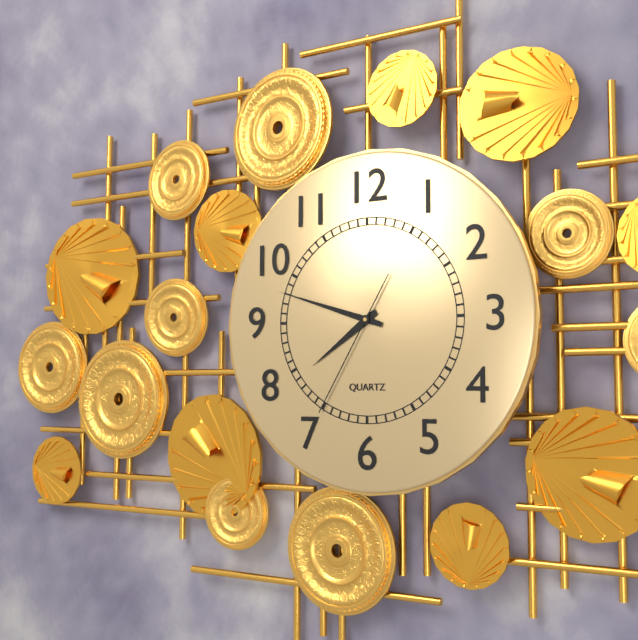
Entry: 7 h 48 min 35 s
